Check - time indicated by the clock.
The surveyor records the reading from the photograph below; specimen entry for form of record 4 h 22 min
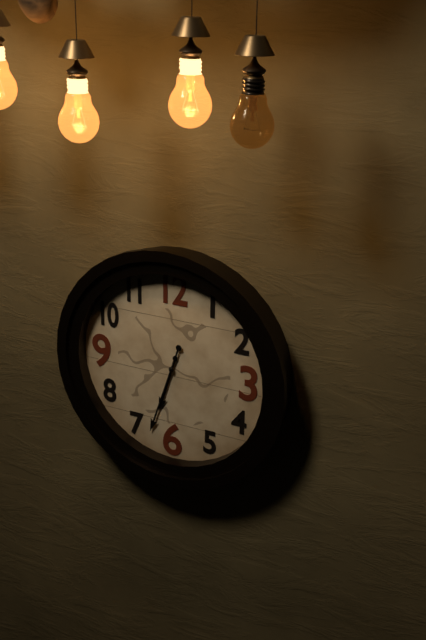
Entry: 6 h 33 min
